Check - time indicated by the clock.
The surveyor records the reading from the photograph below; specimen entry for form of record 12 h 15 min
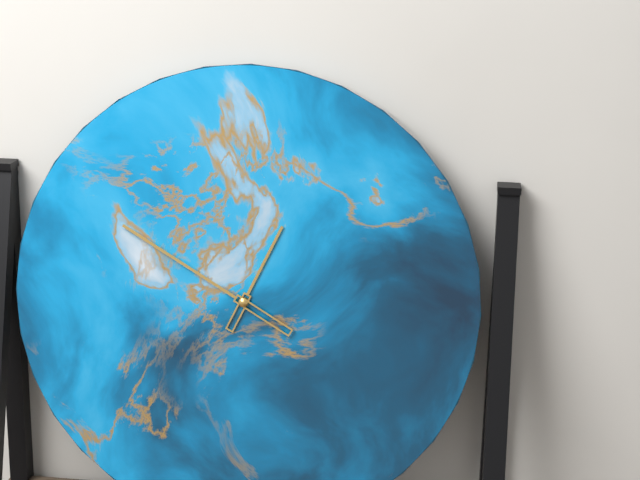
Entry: 12 h 50 min
